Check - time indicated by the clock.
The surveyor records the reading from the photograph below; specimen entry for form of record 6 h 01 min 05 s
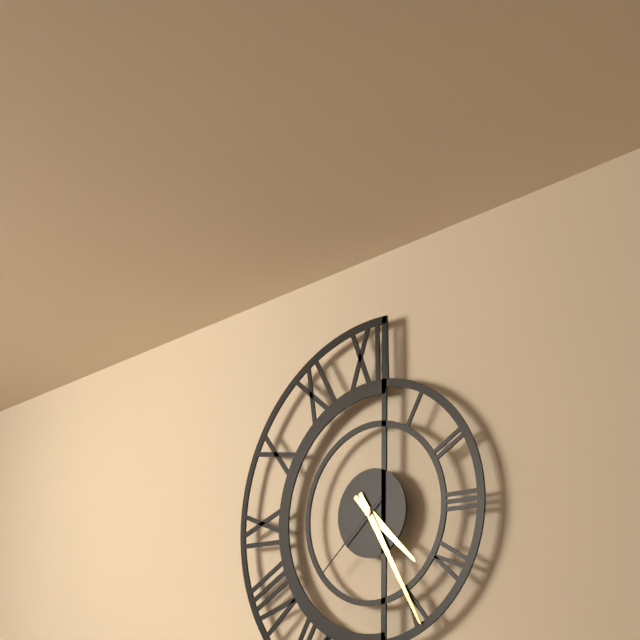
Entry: 4 h 25 min 38 s
